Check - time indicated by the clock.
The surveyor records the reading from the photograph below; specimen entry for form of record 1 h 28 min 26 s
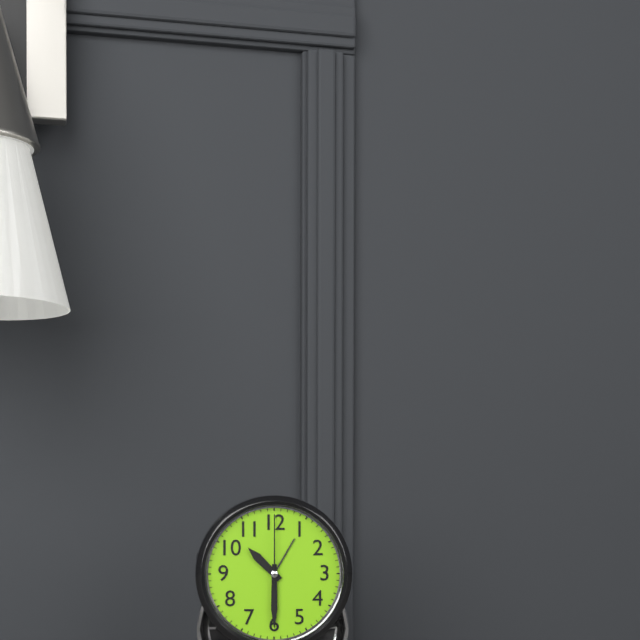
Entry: 10 h 30 min 00 s
